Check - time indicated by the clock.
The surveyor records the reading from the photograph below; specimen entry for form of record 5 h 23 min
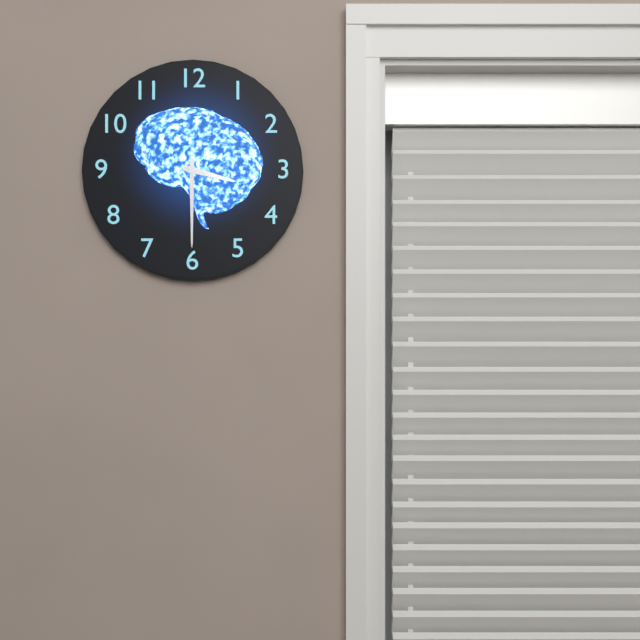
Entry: 3 h 30 min
